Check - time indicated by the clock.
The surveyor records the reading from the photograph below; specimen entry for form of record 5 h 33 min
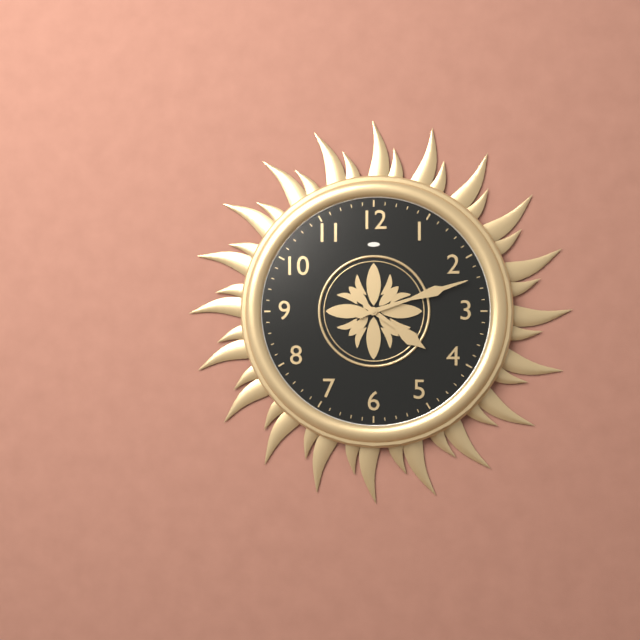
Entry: 4 h 12 min
